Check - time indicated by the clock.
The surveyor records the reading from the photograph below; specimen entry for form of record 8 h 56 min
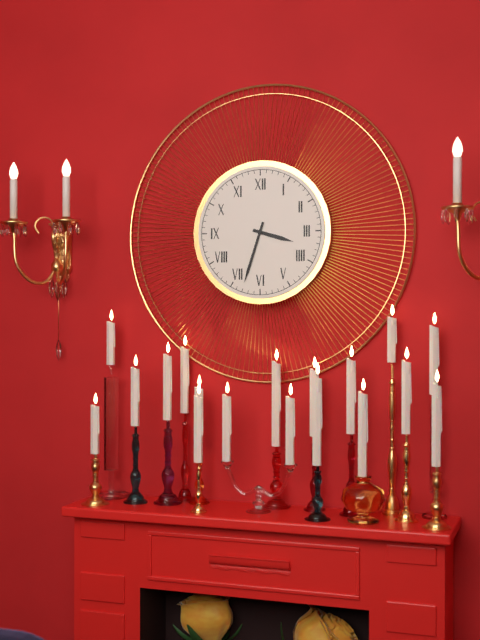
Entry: 3 h 33 min
